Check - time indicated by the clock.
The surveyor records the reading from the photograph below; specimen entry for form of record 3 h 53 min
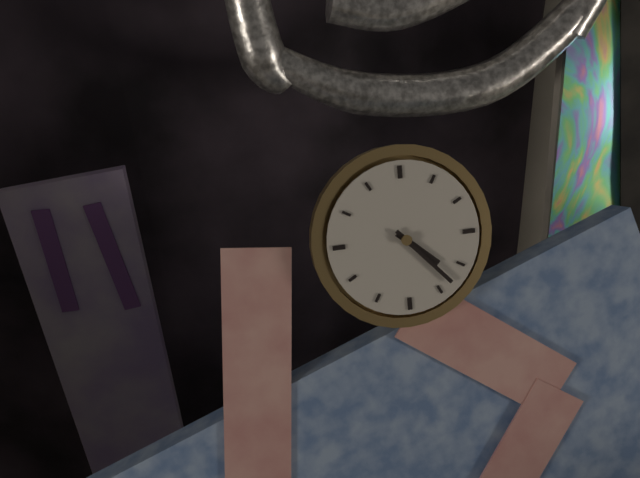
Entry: 4 h 23 min
